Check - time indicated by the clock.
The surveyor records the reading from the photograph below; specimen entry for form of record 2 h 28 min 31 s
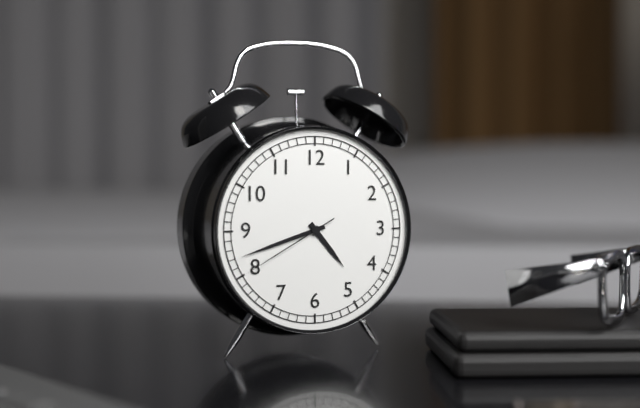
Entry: 4 h 42 min 40 s
